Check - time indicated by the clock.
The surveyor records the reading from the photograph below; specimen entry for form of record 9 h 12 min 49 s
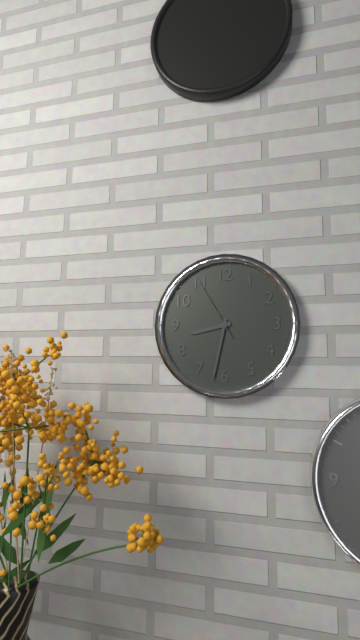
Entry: 8 h 32 min 55 s
